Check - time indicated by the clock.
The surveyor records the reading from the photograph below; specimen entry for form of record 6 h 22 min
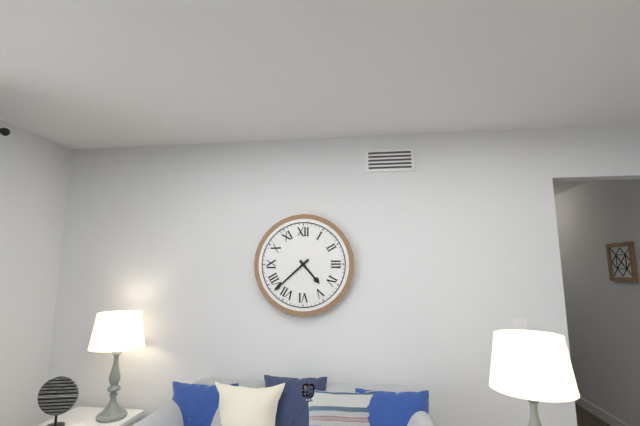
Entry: 4 h 38 min
